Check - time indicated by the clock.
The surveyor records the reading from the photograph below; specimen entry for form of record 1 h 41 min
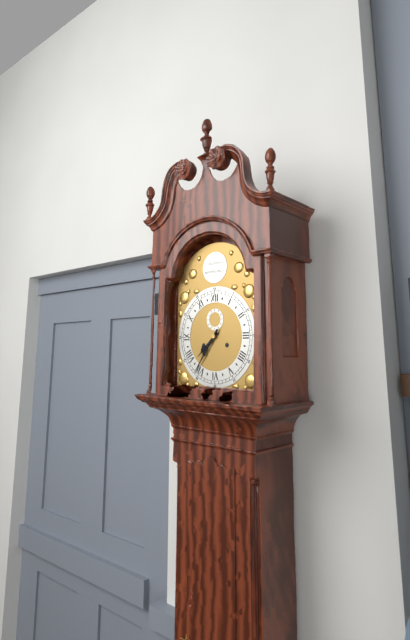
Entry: 7 h 36 min
